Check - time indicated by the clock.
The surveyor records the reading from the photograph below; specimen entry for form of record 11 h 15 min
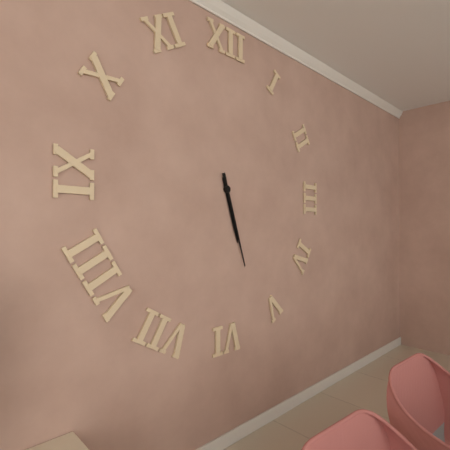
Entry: 5 h 27 min
